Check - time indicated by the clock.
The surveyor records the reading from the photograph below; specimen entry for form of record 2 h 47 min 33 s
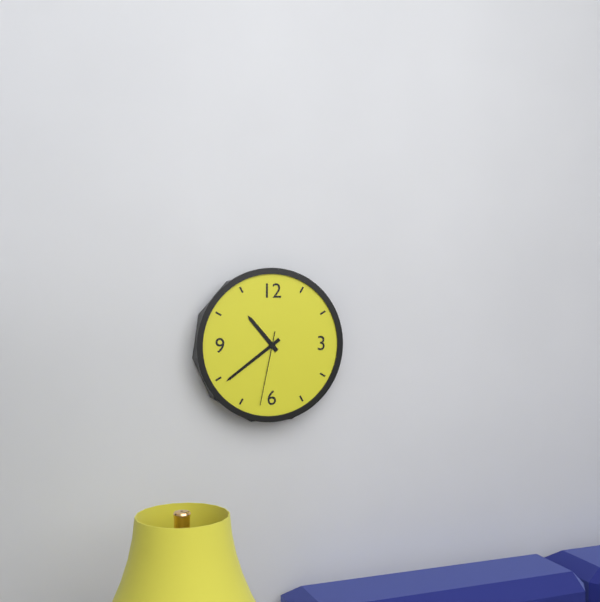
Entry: 10 h 39 min 32 s
